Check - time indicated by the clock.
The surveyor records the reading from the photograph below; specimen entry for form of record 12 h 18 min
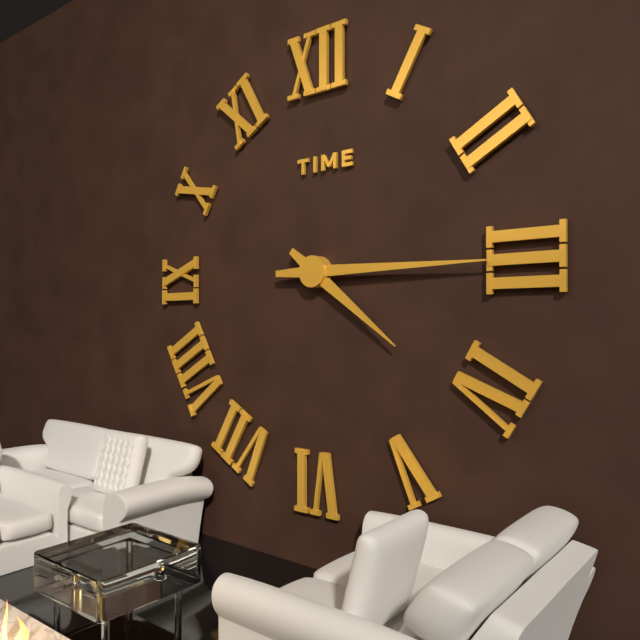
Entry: 4 h 15 min
